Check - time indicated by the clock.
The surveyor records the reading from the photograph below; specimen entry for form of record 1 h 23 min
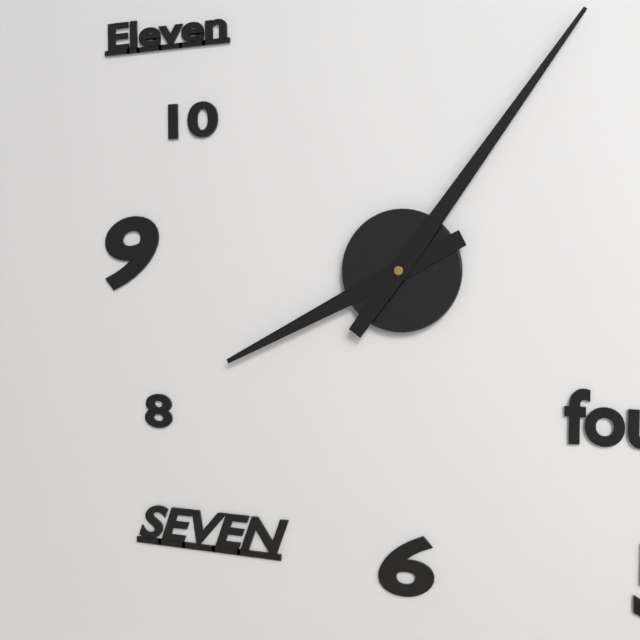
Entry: 8 h 06 min
